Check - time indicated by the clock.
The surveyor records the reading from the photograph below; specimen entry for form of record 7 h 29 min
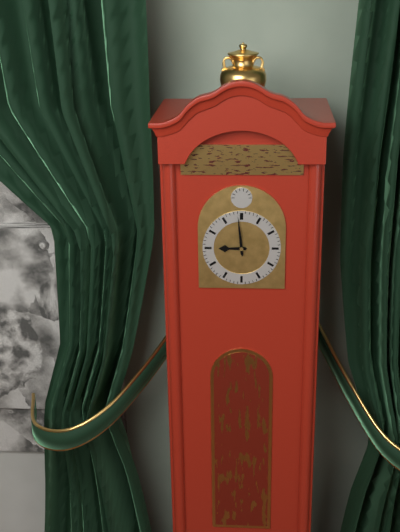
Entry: 8 h 59 min
